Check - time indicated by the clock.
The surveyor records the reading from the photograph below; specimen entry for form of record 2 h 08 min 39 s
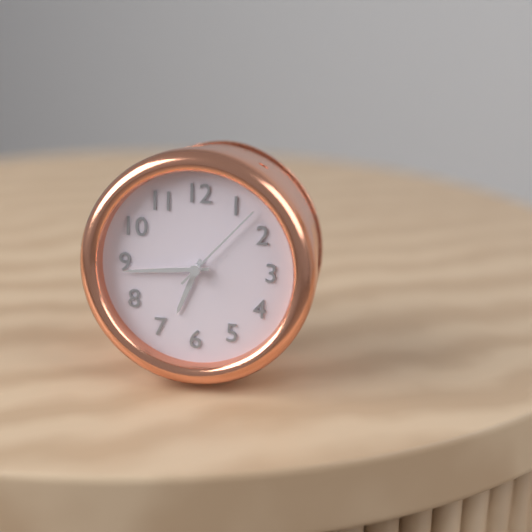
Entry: 6 h 44 min 07 s
